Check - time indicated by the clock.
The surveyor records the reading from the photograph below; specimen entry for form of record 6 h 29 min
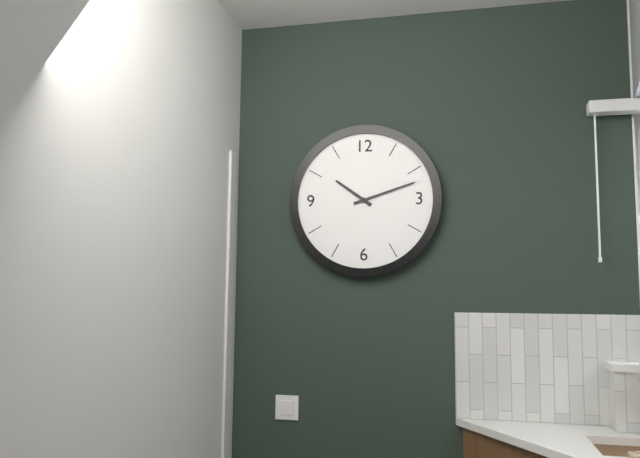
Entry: 10 h 12 min
